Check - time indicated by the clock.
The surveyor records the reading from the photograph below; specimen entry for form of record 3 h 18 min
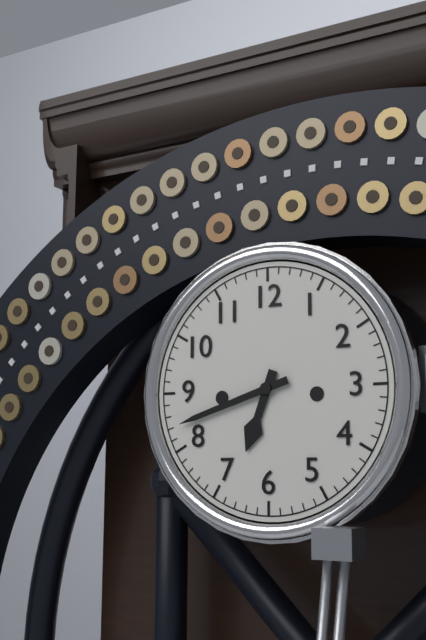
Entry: 6 h 42 min
